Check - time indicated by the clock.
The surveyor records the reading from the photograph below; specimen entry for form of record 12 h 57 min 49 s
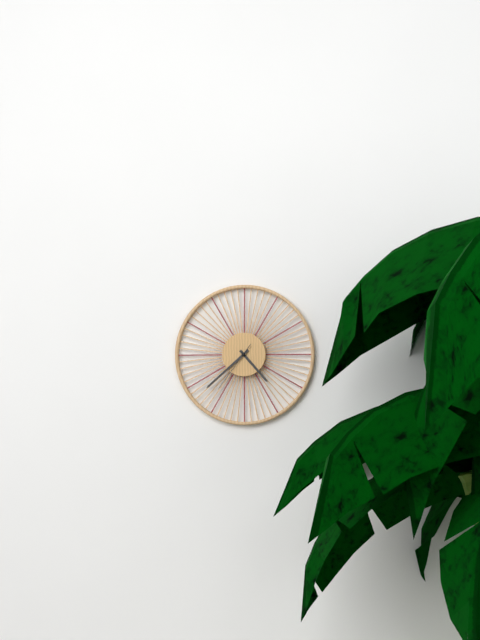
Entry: 4 h 38 min 36 s
